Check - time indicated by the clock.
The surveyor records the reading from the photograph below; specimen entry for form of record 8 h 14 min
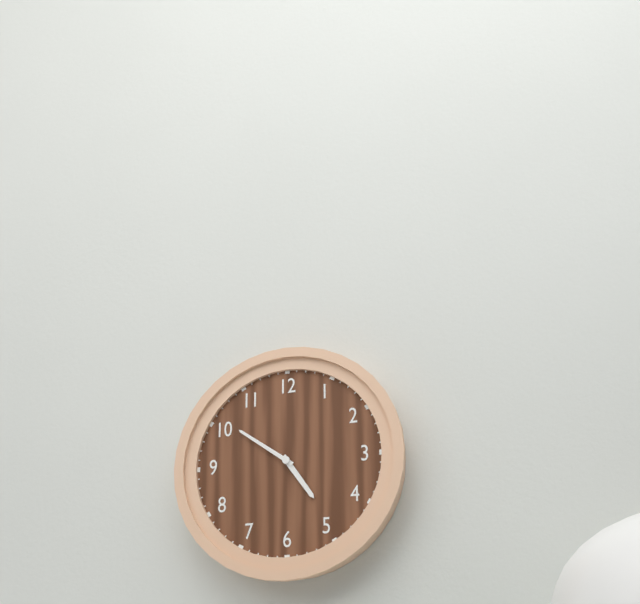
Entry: 4 h 51 min
